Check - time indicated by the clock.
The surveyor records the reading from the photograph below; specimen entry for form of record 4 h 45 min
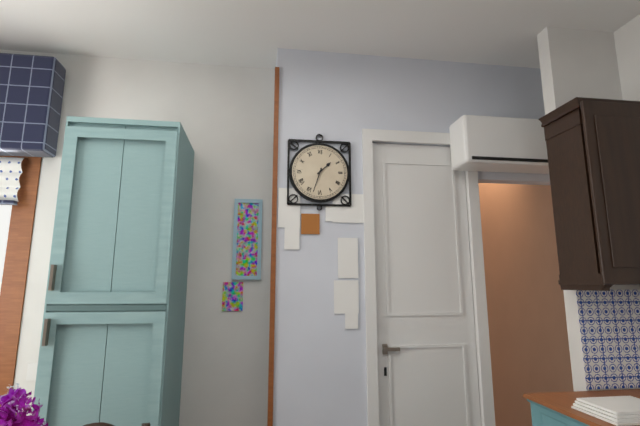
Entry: 1 h 33 min
